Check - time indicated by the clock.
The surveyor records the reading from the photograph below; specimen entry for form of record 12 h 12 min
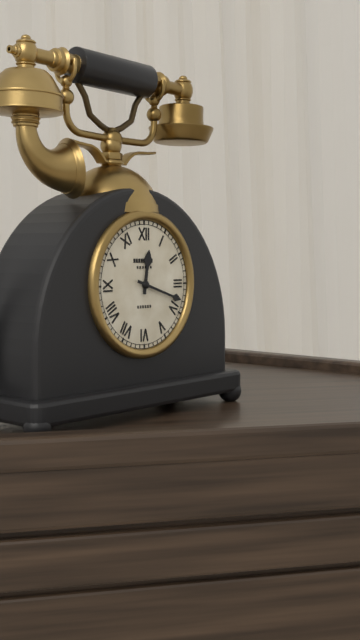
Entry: 12 h 18 min
